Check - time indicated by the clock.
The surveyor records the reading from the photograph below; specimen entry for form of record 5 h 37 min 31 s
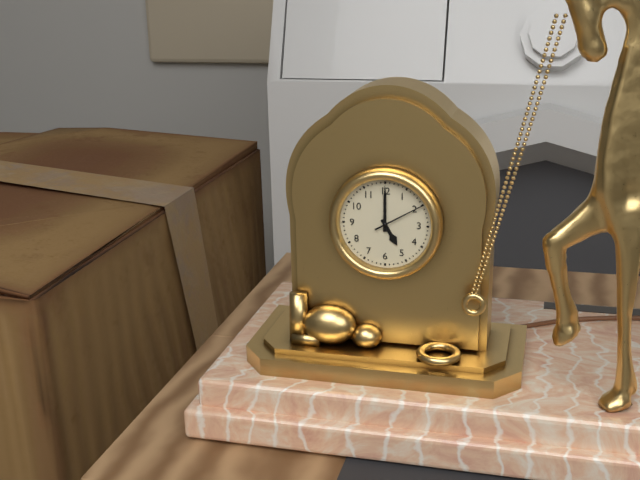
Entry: 5 h 00 min 10 s
